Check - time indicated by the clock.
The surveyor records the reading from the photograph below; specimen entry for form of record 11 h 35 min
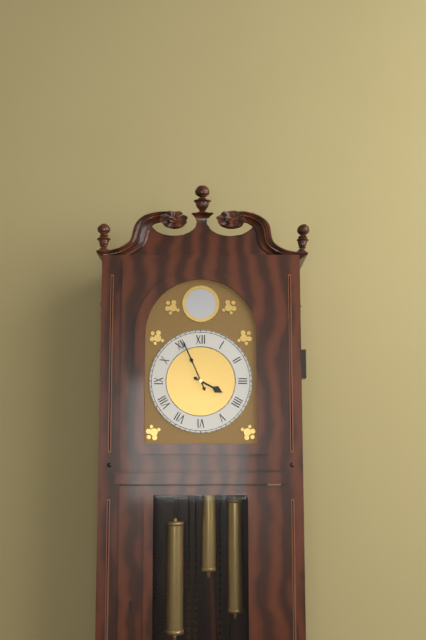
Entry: 3 h 56 min
